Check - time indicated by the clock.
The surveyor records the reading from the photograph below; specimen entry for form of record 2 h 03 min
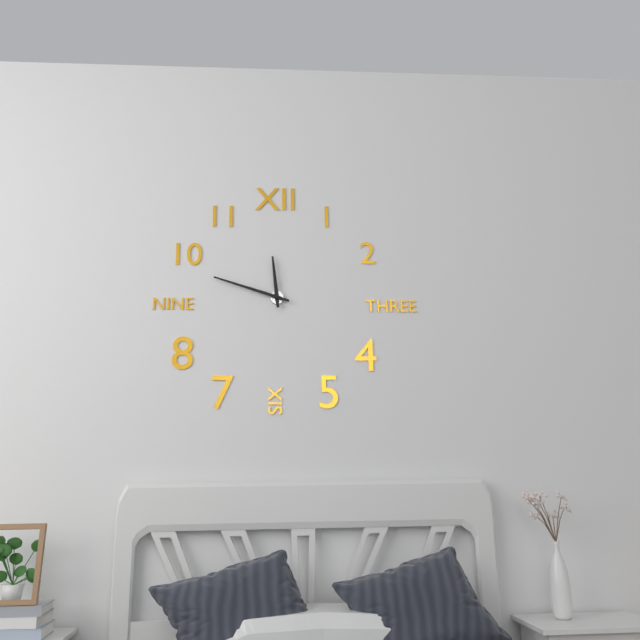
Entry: 11 h 48 min
